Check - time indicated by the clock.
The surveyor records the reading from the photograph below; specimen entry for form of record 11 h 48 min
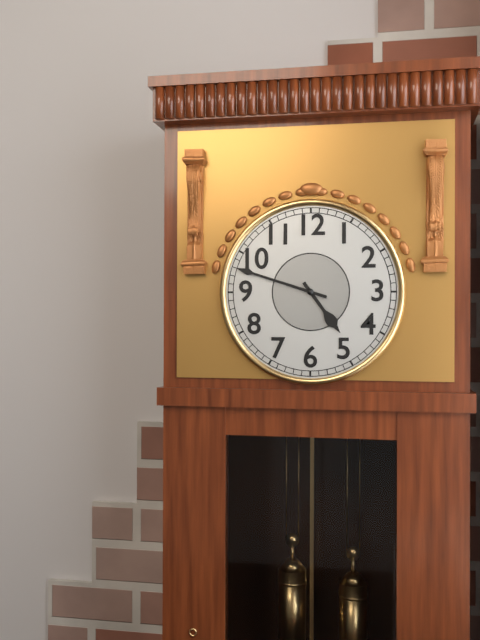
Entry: 4 h 48 min
